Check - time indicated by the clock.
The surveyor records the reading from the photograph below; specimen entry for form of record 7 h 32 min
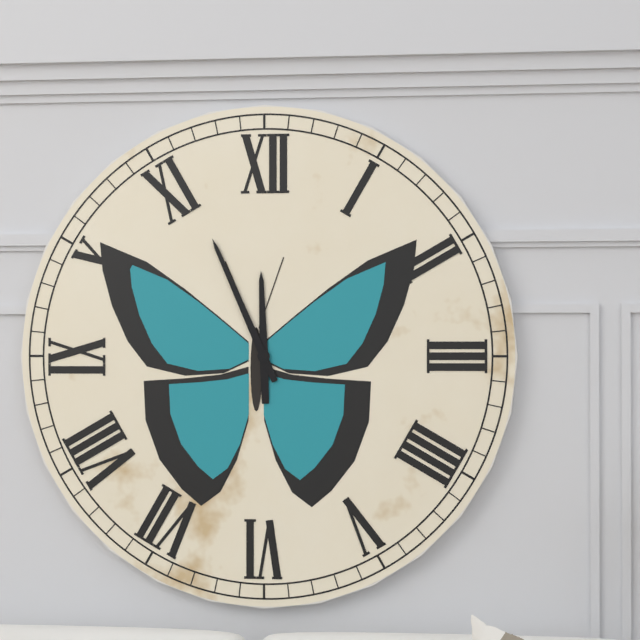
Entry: 11 h 56 min
